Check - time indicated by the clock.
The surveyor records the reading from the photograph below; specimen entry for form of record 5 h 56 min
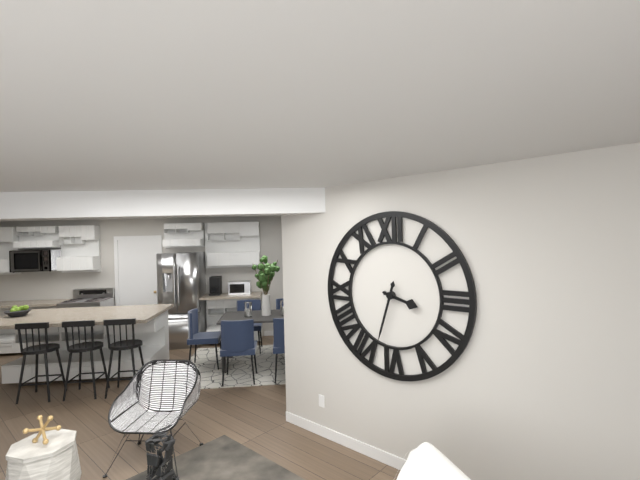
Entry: 3 h 33 min
